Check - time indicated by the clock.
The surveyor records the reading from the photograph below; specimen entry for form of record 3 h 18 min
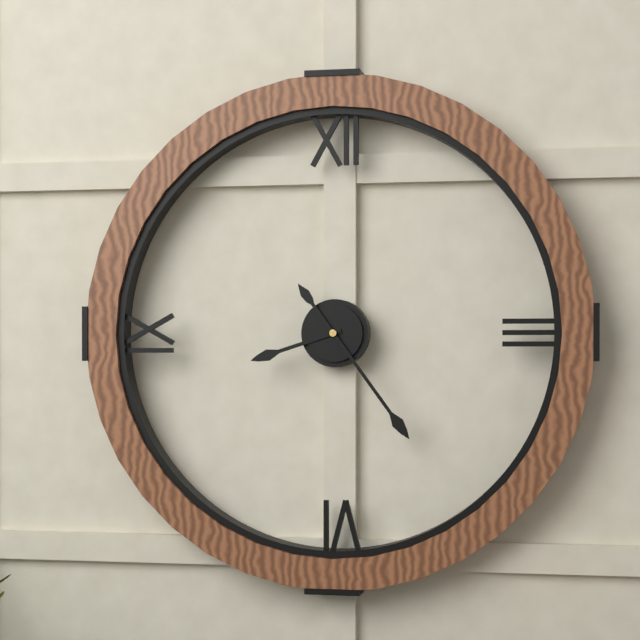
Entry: 8 h 24 min
